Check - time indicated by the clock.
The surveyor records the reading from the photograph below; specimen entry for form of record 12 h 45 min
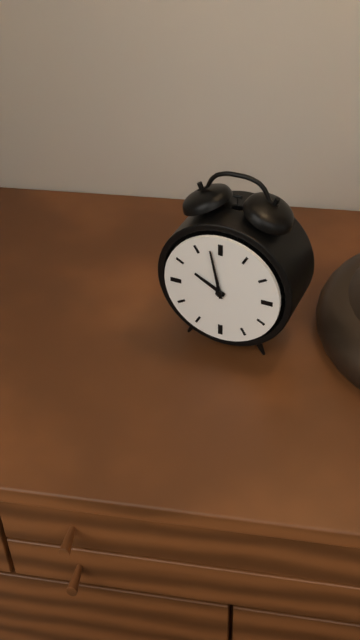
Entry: 9 h 58 min
